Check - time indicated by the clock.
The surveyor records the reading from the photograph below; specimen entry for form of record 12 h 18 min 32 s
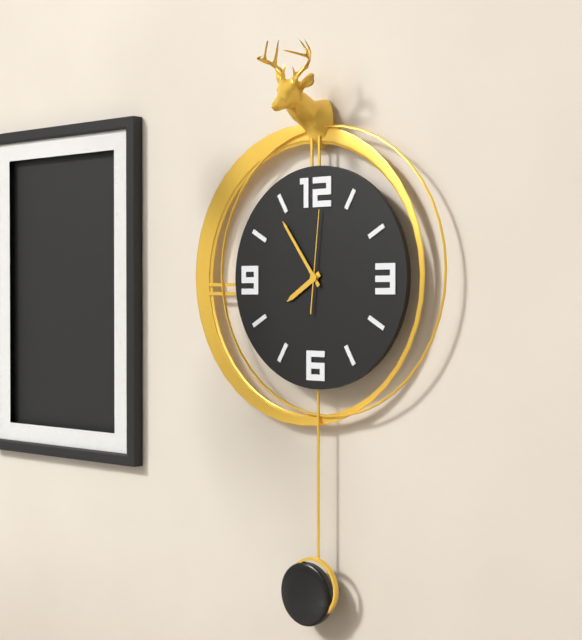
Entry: 7 h 54 min 01 s
